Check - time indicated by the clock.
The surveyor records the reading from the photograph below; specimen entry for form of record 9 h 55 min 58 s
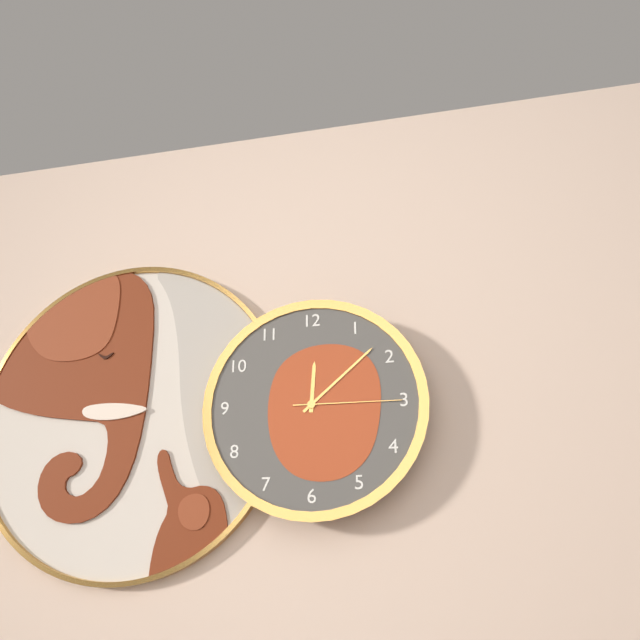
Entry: 12 h 08 min 15 s
